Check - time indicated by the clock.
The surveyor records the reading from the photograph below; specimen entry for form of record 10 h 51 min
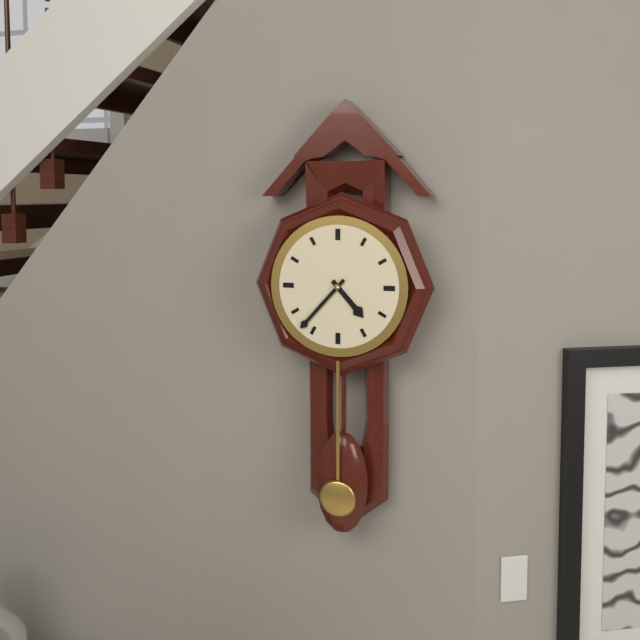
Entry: 4 h 37 min
